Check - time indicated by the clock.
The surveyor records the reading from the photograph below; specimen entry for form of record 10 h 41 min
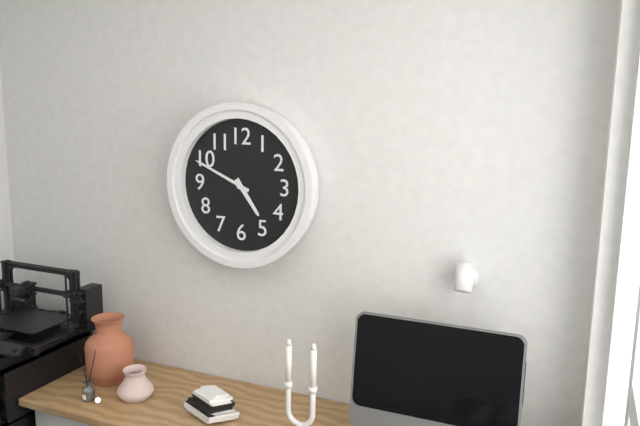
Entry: 4 h 49 min
